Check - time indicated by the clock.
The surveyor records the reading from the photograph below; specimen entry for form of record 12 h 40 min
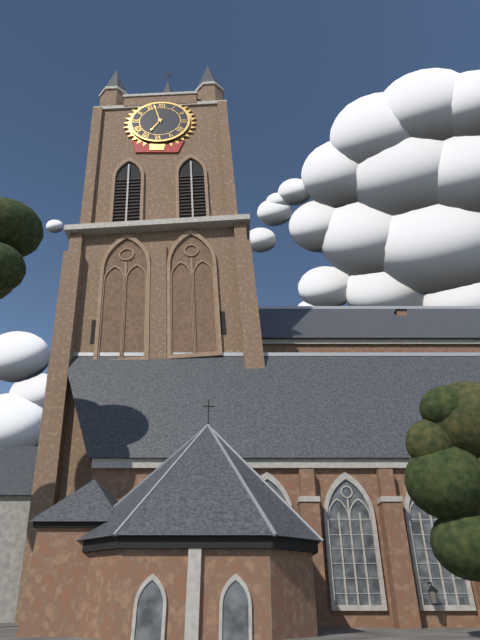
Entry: 6 h 57 min
